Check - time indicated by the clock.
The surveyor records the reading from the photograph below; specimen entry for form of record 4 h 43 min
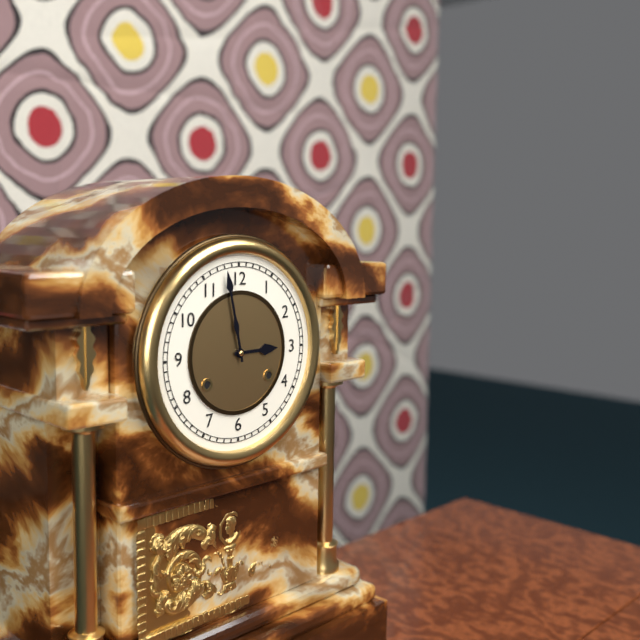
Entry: 2 h 58 min
